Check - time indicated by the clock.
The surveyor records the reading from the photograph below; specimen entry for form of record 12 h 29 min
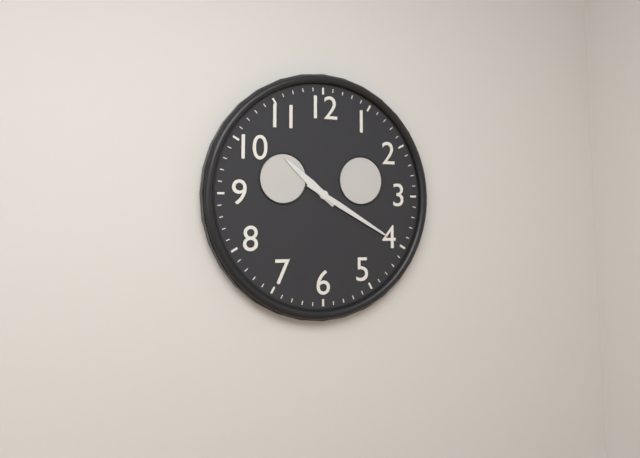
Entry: 10 h 20 min
